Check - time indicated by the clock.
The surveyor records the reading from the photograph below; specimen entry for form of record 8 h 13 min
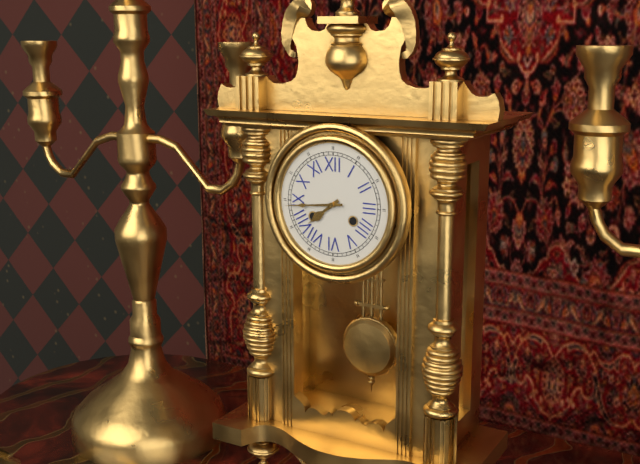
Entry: 7 h 44 min
